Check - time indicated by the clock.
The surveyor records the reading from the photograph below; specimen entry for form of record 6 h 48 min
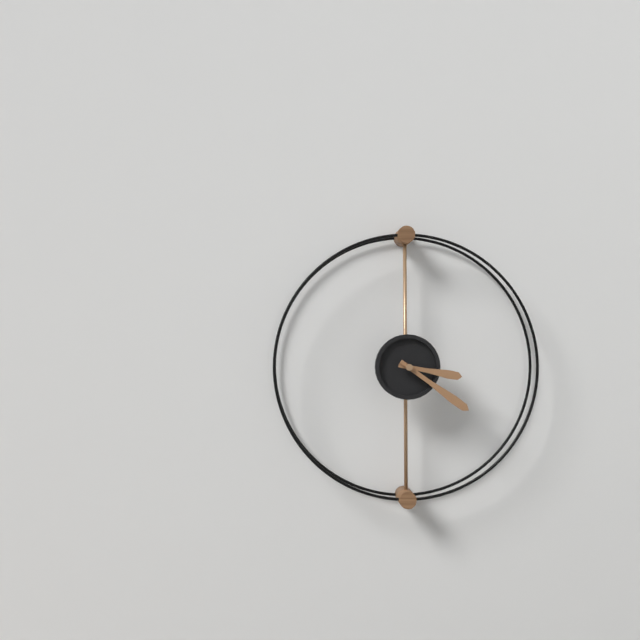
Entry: 3 h 21 min
